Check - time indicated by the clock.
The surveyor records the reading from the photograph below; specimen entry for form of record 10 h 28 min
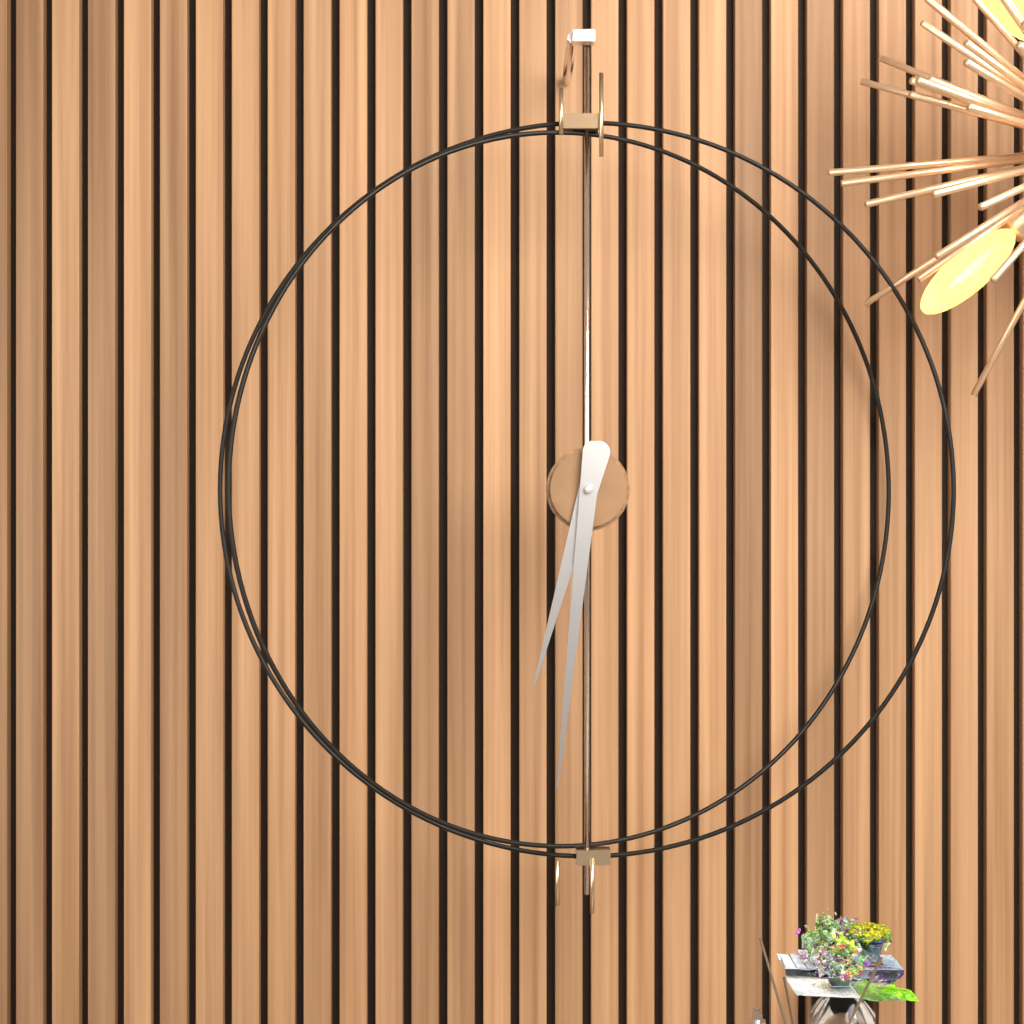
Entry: 6 h 31 min
